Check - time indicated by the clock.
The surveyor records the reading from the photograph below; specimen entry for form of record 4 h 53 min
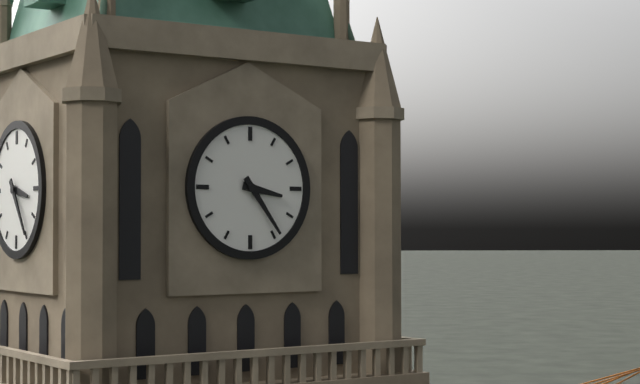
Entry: 3 h 24 min
